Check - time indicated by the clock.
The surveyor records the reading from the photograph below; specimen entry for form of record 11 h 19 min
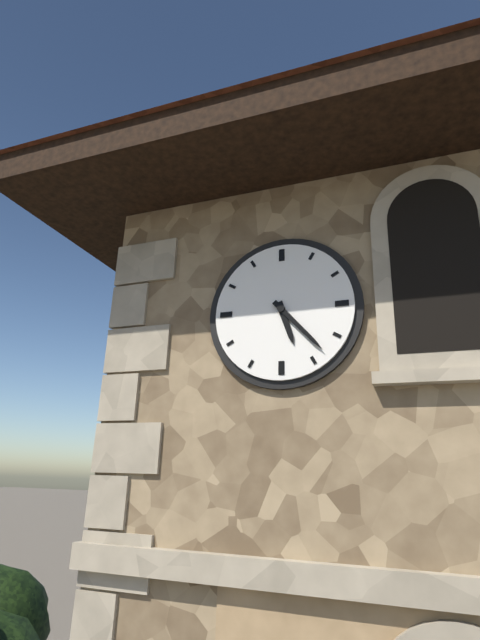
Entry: 5 h 23 min
